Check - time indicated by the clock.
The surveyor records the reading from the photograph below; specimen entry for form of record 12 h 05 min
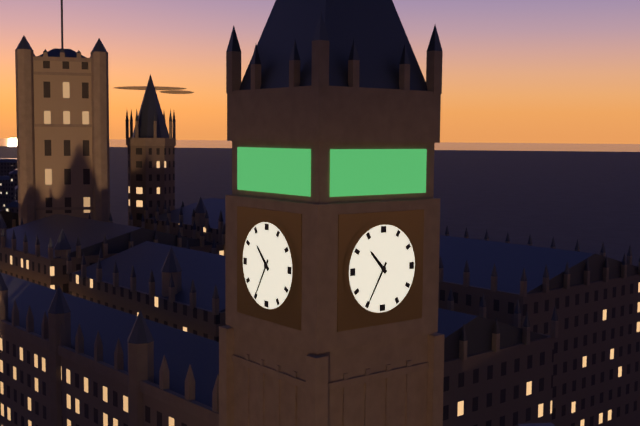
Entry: 10 h 35 min
